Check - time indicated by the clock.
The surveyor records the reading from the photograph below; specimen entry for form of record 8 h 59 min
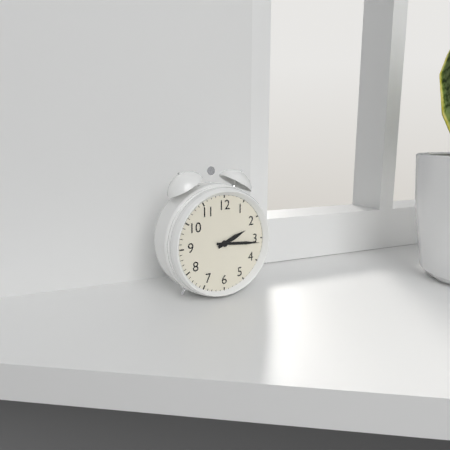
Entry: 2 h 16 min
